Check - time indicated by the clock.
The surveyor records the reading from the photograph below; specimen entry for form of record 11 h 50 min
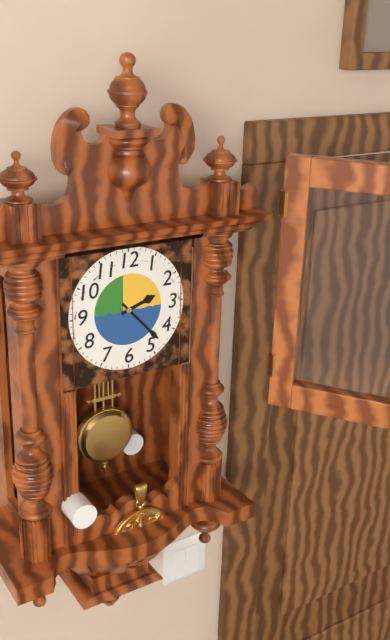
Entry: 2 h 23 min
